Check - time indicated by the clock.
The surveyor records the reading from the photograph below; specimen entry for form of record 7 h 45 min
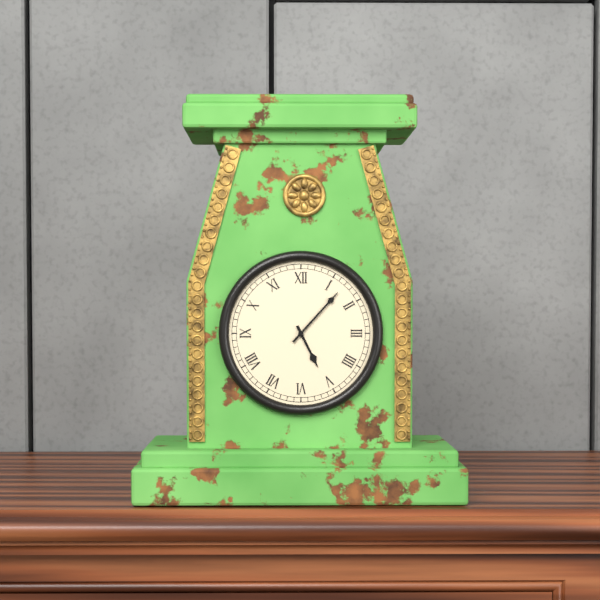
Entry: 5 h 07 min
